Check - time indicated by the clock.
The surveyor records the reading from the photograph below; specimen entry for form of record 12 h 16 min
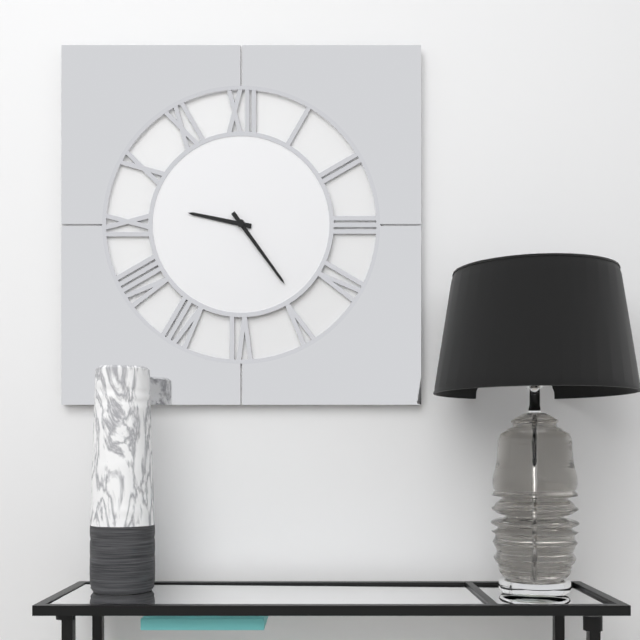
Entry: 9 h 24 min
